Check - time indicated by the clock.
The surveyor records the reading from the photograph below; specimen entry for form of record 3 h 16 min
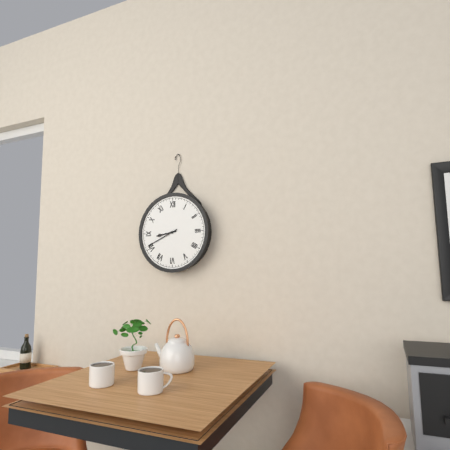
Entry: 8 h 41 min
